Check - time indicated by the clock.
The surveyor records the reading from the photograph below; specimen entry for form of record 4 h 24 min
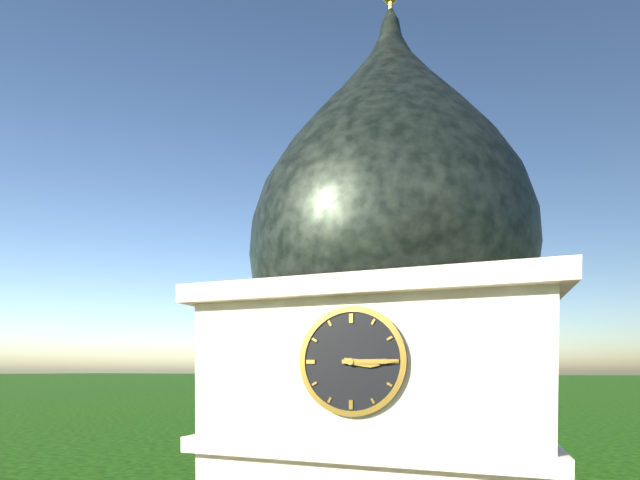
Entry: 3 h 15 min
